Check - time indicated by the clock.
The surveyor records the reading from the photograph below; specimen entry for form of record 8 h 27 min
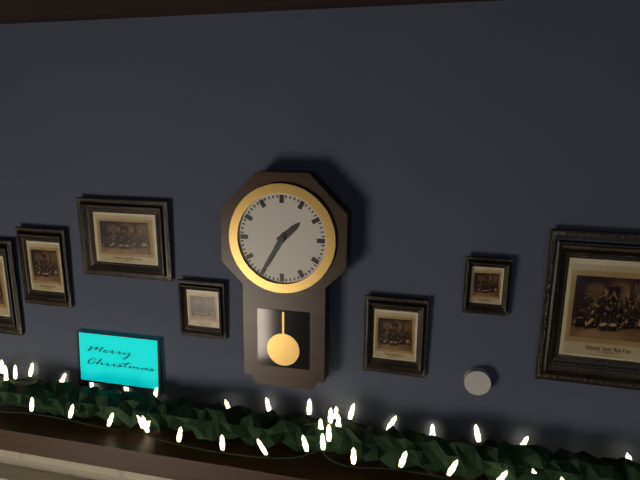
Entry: 1 h 35 min
